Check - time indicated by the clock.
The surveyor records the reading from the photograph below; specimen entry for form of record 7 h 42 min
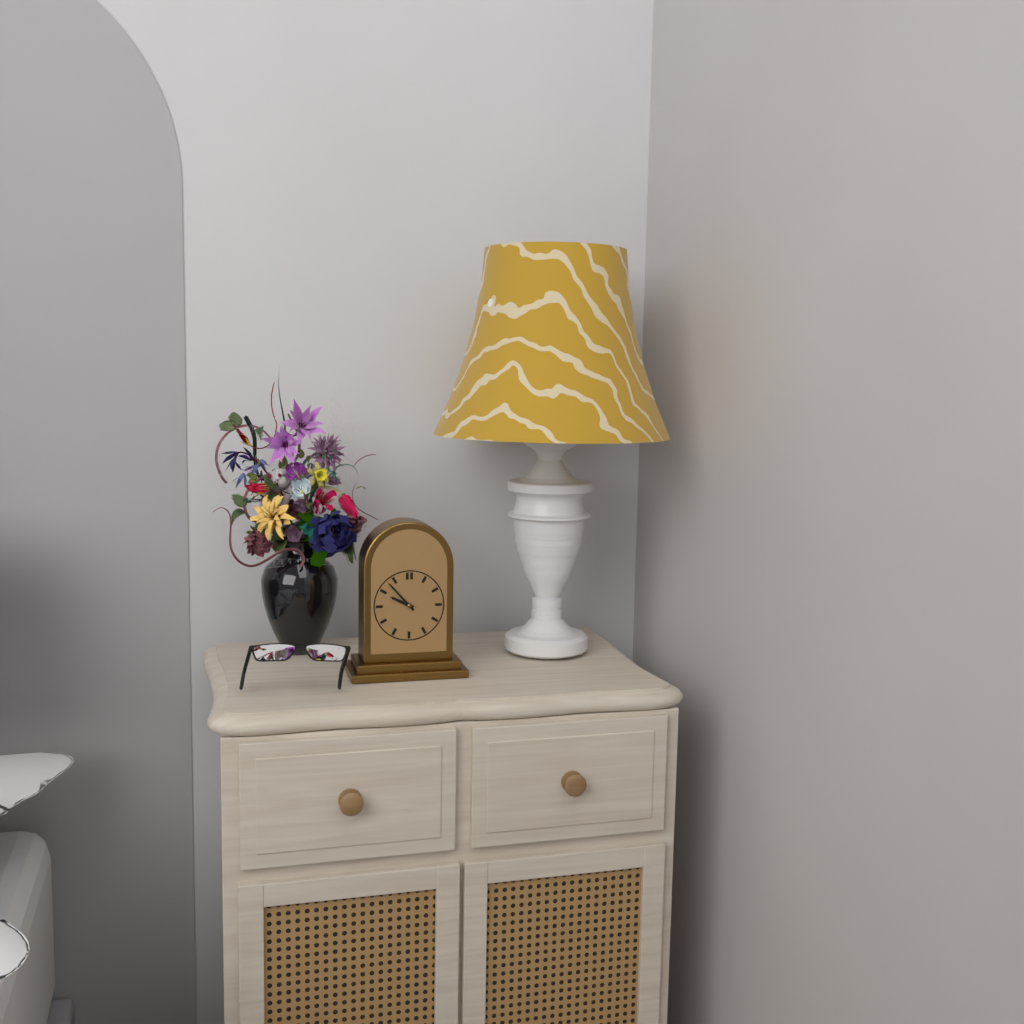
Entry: 9 h 53 min
